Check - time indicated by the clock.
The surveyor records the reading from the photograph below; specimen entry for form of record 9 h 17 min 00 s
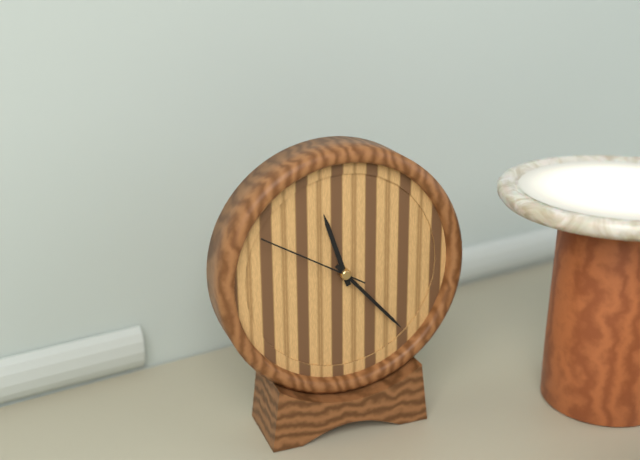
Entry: 11 h 23 min 50 s
